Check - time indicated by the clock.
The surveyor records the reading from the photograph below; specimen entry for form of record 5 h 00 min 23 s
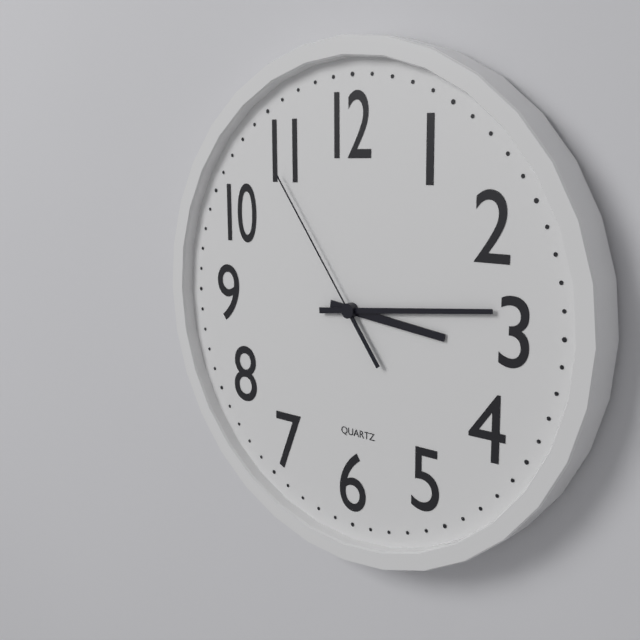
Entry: 3 h 14 min 54 s
